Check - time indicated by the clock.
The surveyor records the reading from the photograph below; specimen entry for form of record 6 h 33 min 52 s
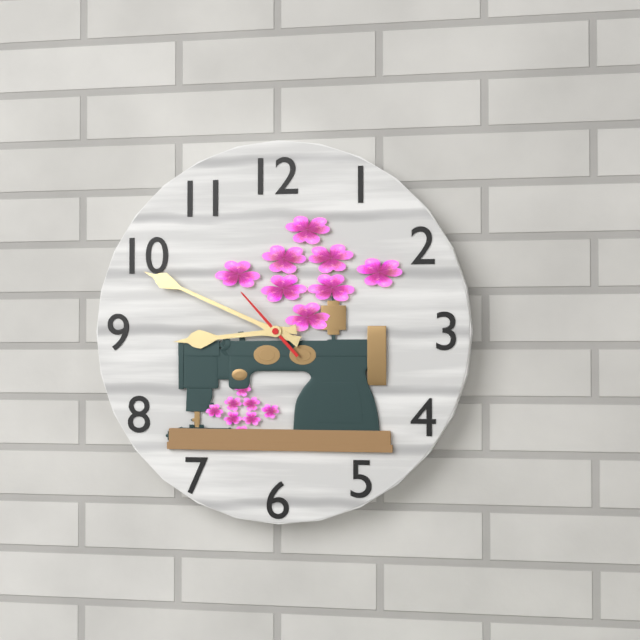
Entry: 8 h 49 min 53 s
